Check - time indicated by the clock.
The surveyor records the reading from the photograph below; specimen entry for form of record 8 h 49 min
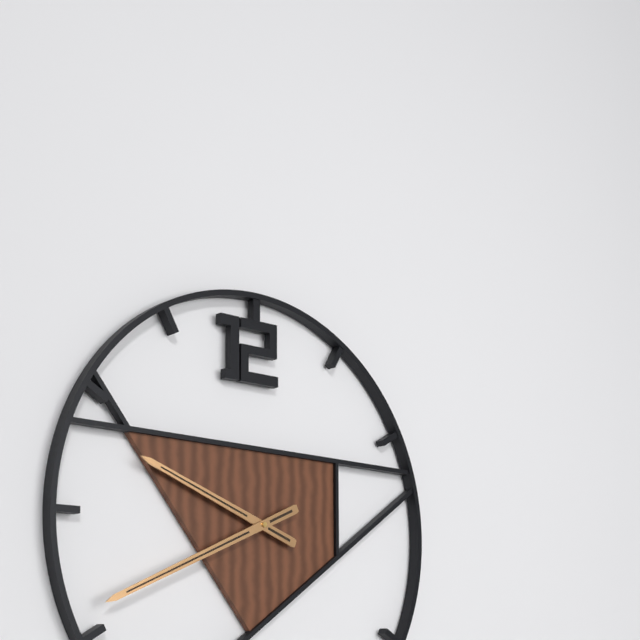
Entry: 9 h 41 min
